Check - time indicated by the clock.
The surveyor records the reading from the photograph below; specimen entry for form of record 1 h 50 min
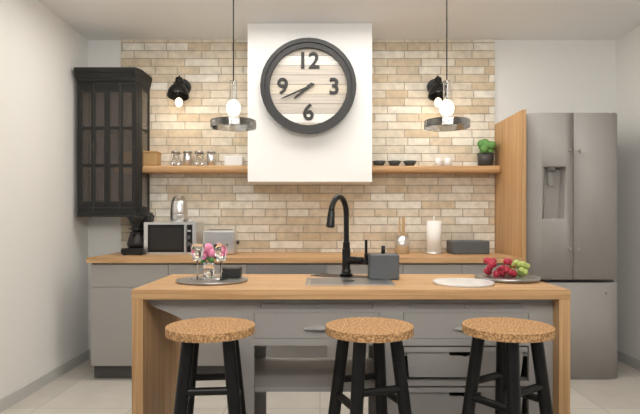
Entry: 7 h 41 min
